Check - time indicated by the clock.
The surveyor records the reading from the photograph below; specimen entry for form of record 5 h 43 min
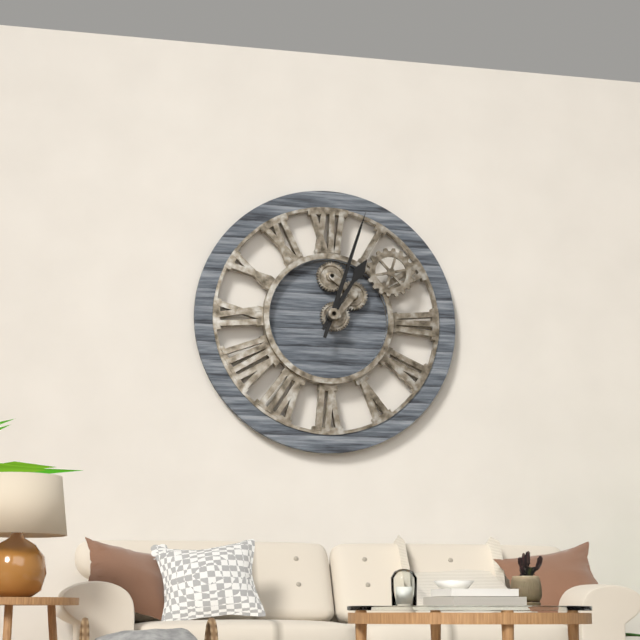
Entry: 1 h 03 min
